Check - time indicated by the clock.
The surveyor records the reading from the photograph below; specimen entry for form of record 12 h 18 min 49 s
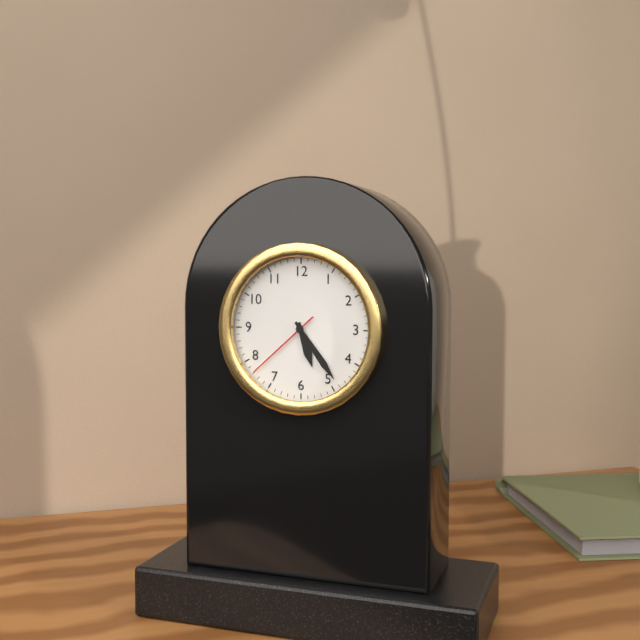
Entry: 5 h 24 min 38 s
